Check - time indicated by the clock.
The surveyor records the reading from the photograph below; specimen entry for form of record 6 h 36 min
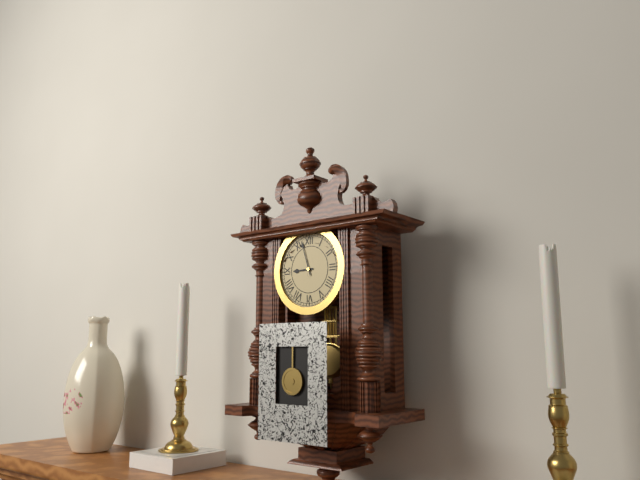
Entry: 8 h 57 min
